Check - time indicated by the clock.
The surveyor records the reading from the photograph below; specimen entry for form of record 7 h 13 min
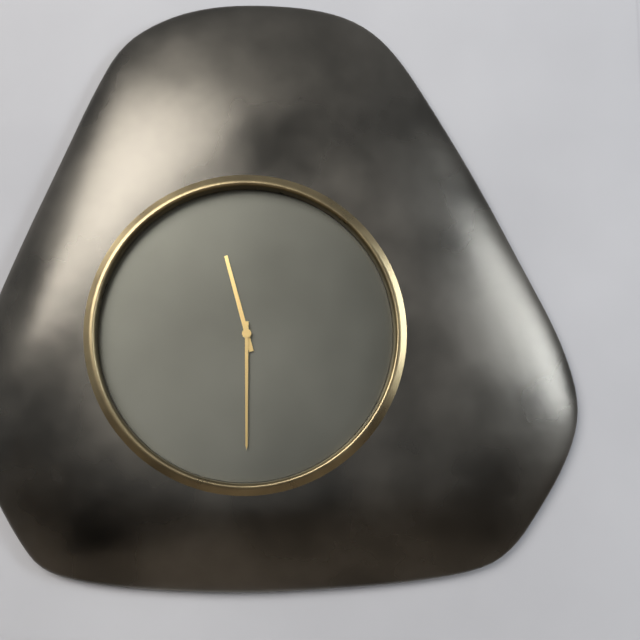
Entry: 11 h 30 min
